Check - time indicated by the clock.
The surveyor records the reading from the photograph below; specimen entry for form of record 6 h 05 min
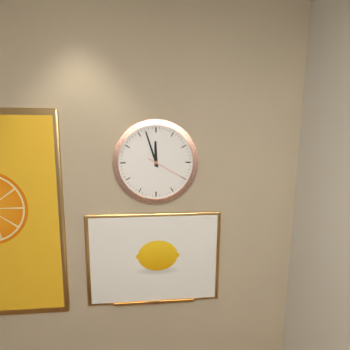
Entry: 11 h 57 min
